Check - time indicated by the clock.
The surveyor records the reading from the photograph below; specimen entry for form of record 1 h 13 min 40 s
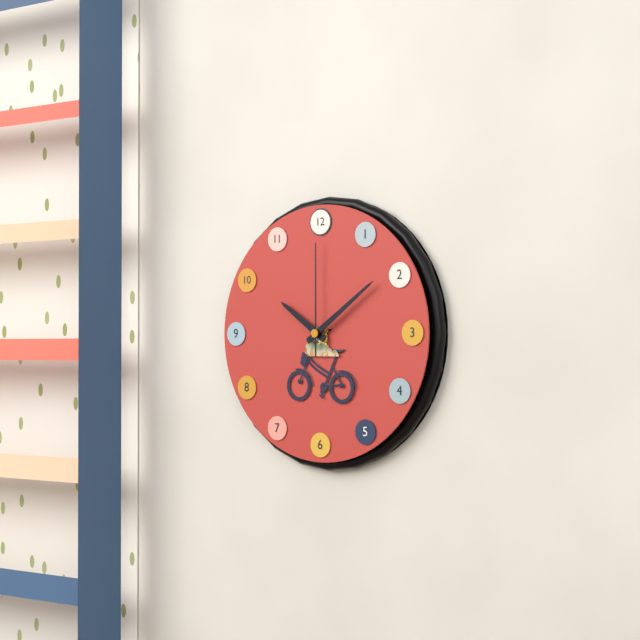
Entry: 10 h 09 min 00 s
